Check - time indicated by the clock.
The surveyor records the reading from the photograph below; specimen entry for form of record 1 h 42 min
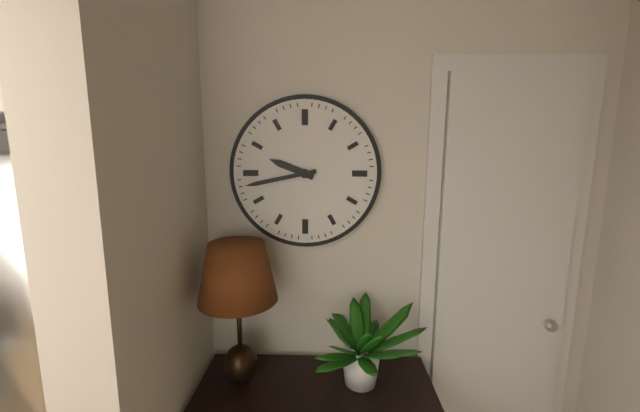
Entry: 9 h 43 min
